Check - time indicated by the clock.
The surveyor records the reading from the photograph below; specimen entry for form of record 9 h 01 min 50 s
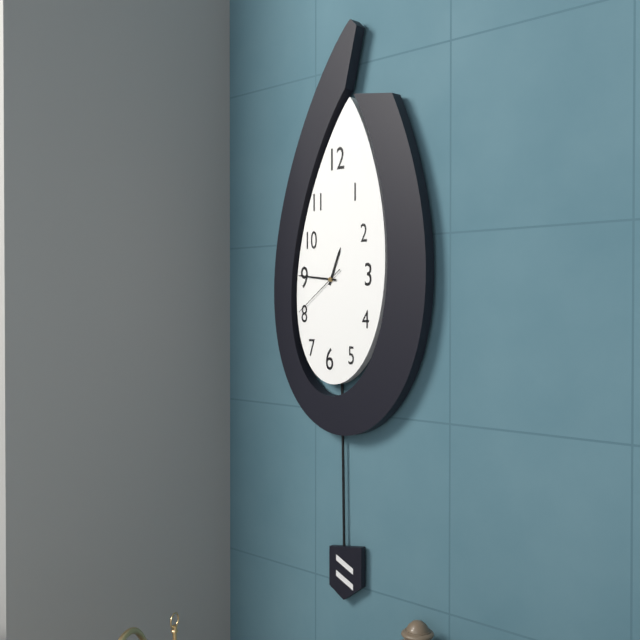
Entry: 12 h 46 min 39 s
